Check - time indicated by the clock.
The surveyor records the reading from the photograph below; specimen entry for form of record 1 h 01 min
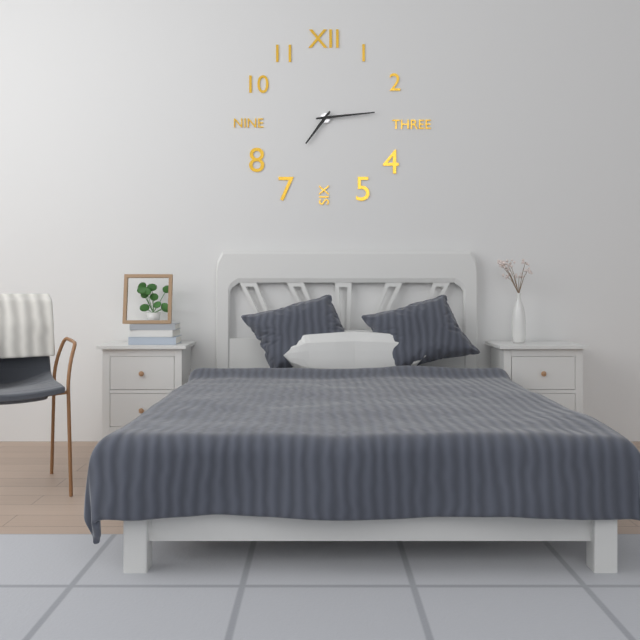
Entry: 7 h 14 min
